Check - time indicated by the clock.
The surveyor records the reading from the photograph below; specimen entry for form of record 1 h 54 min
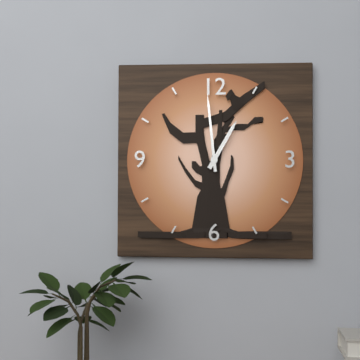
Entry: 12 h 59 min
